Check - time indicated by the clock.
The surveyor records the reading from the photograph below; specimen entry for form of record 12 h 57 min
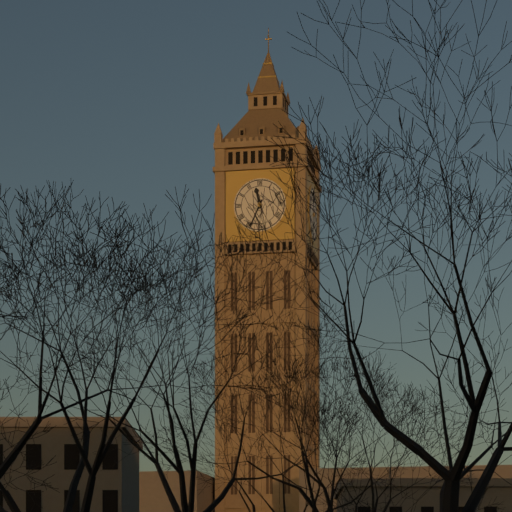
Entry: 11 h 34 min
